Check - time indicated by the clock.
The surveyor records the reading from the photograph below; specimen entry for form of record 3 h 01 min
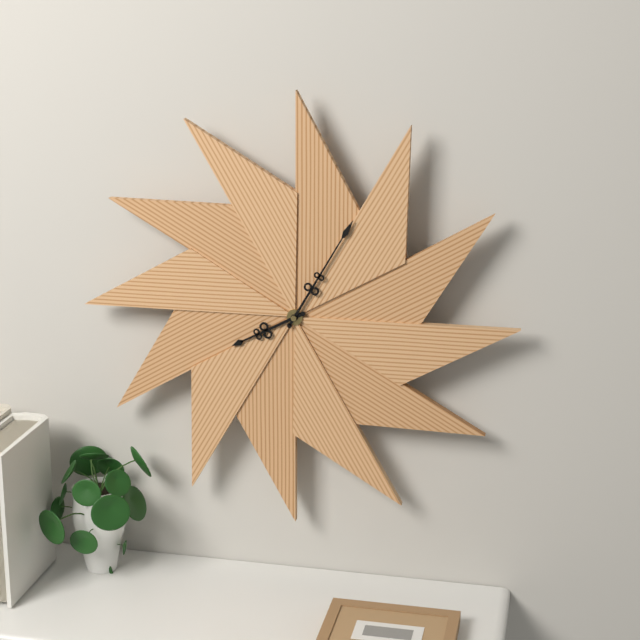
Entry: 8 h 05 min
